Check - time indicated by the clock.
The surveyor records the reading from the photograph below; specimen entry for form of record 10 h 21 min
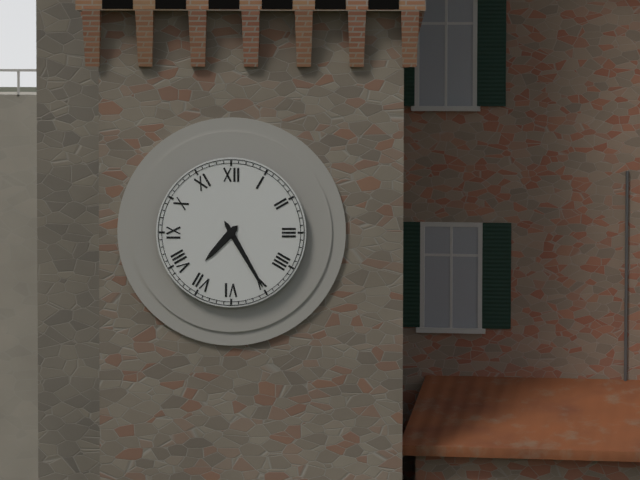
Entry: 7 h 25 min
